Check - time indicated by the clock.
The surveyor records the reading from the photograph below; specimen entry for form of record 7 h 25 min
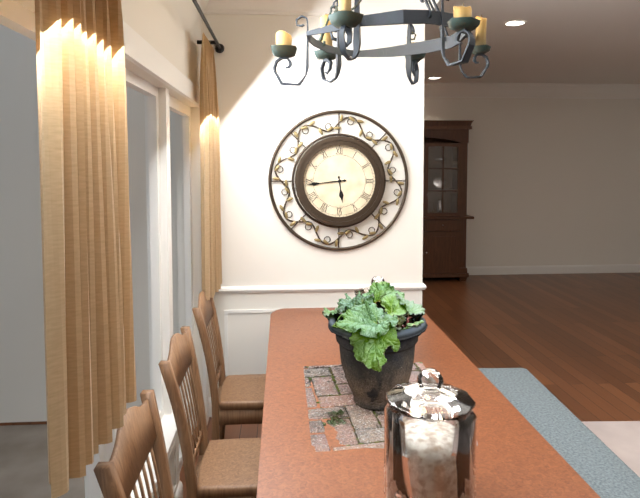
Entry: 5 h 44 min
